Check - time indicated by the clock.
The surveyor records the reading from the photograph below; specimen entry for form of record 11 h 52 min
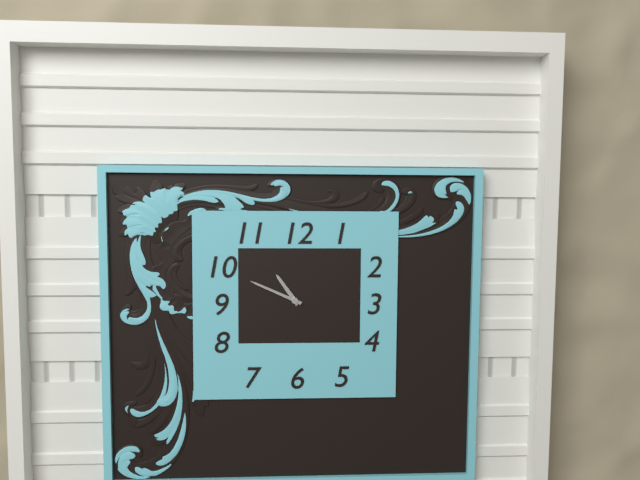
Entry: 10 h 49 min
